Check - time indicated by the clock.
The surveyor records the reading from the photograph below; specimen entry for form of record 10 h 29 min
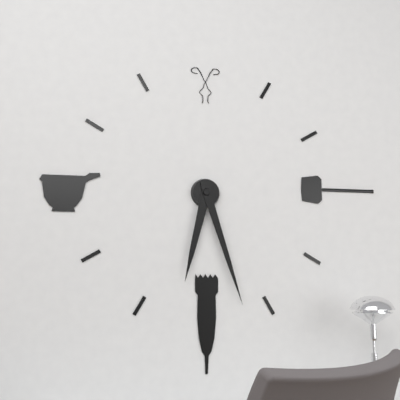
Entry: 6 h 27 min
